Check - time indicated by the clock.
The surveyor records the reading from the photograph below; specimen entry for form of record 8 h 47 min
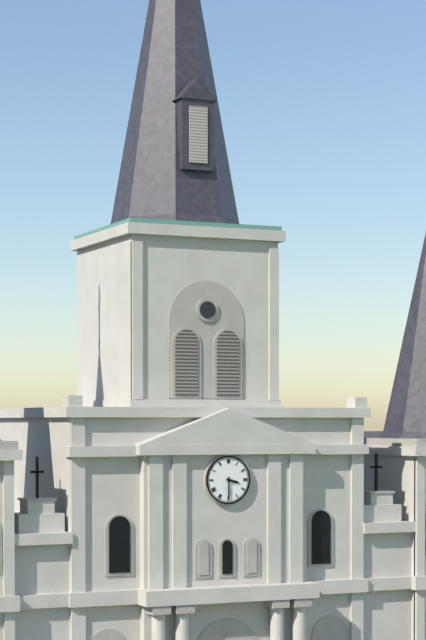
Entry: 3 h 30 min
